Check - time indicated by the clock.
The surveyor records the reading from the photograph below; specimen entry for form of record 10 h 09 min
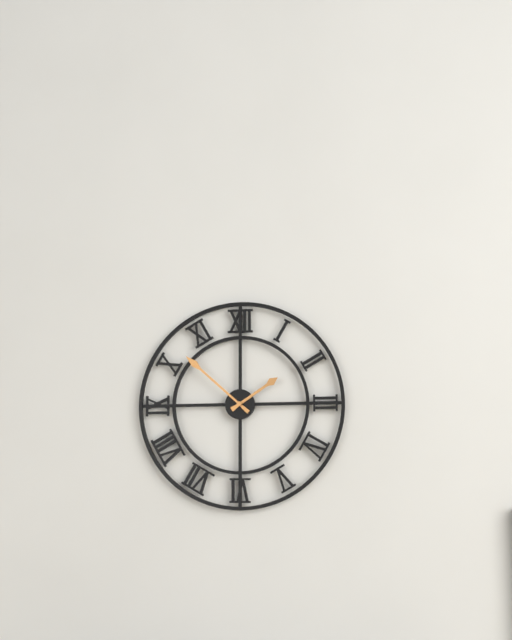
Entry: 1 h 52 min
